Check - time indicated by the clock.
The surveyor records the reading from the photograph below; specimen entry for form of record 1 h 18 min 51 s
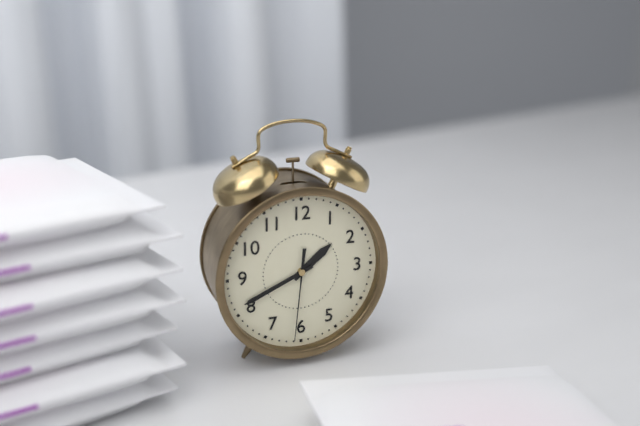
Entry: 1 h 41 min 31 s
